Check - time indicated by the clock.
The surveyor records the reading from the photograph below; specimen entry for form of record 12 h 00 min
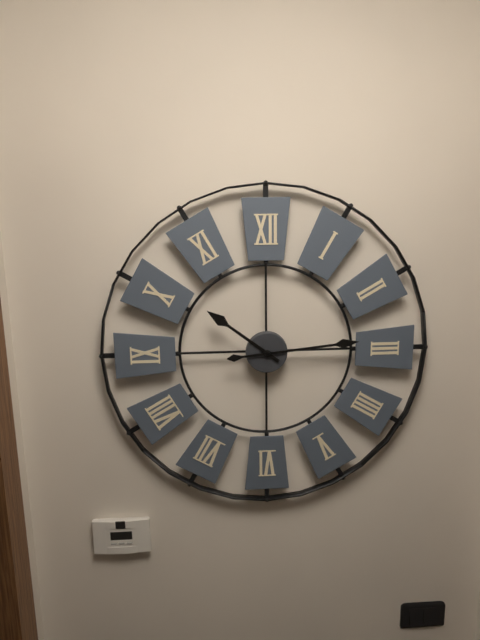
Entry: 10 h 14 min
